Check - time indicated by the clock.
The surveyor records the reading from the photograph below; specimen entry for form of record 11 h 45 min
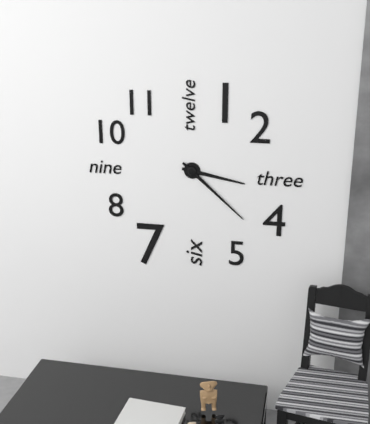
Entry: 3 h 22 min
